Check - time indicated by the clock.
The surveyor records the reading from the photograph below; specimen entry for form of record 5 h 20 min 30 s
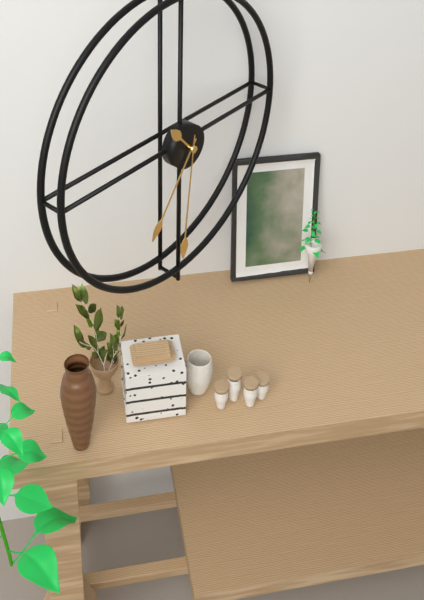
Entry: 10 h 36 min 31 s
